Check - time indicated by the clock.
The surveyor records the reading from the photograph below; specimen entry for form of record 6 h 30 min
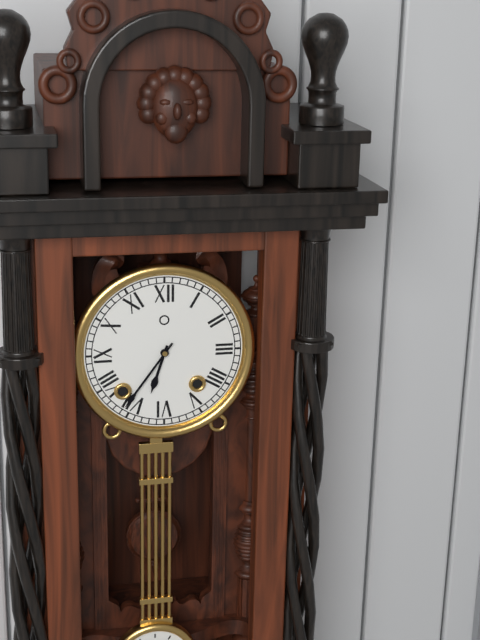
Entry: 6 h 36 min
